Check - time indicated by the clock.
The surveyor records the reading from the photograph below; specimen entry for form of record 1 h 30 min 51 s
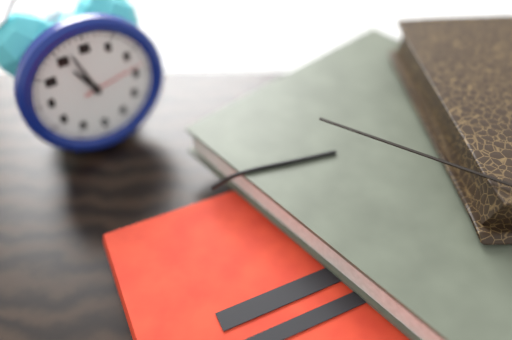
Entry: 10 h 57 min 13 s
